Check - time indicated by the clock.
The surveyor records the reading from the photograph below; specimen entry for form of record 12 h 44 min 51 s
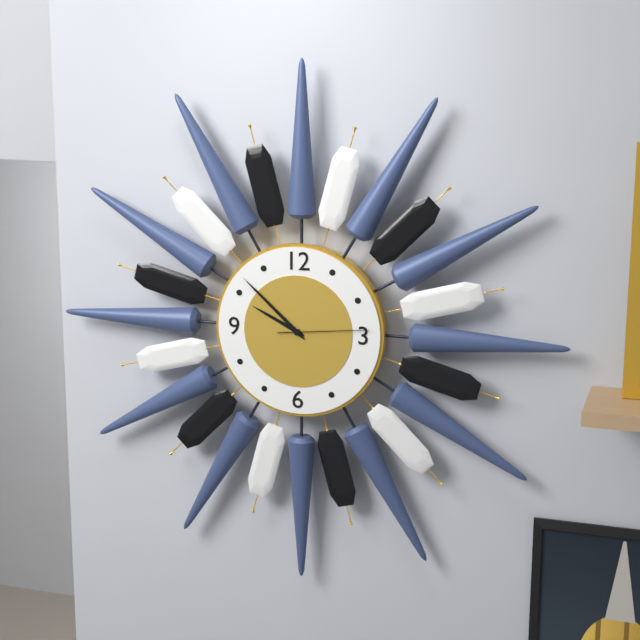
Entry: 9 h 52 min 14 s
